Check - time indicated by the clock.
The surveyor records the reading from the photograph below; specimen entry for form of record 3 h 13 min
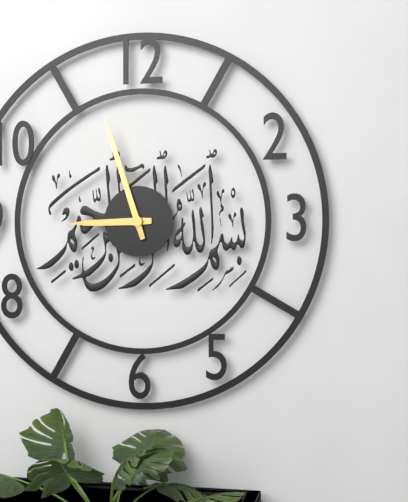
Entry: 8 h 57 min
